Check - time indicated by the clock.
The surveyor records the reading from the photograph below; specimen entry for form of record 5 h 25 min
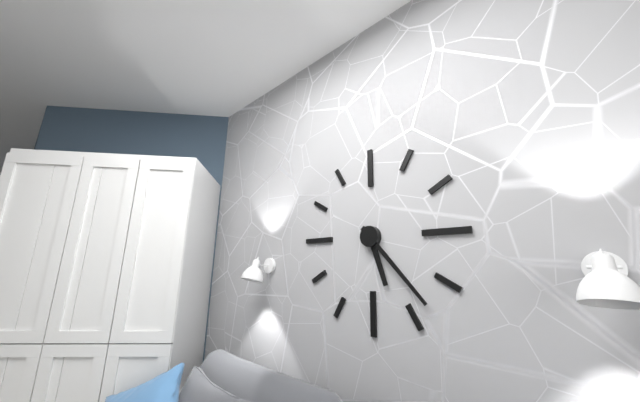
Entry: 5 h 23 min
